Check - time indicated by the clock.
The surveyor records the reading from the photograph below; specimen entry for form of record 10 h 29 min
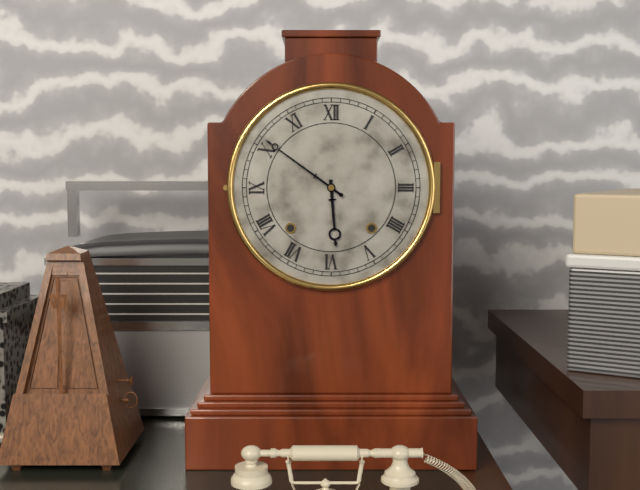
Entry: 5 h 51 min
